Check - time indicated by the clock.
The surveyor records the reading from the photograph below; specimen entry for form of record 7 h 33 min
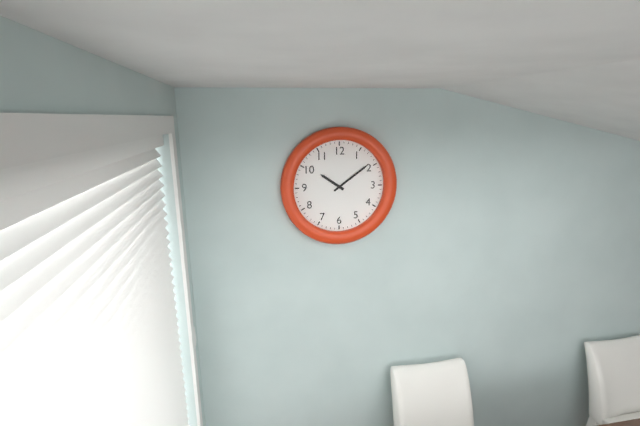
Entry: 10 h 09 min
